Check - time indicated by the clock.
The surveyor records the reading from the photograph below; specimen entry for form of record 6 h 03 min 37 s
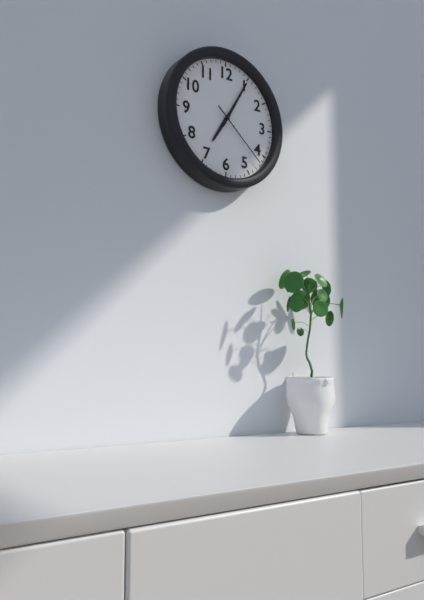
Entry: 7 h 05 min 22 s
